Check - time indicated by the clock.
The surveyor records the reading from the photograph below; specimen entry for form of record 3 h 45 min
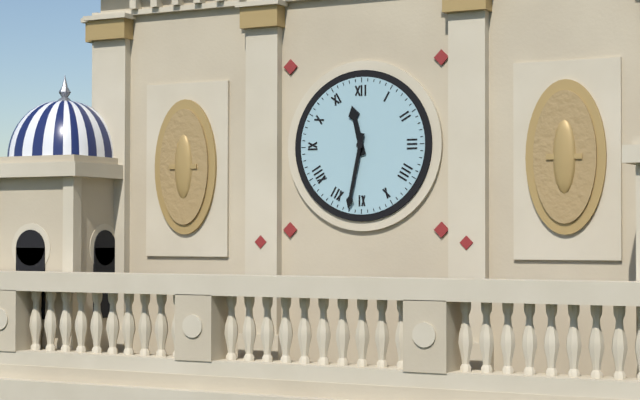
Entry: 11 h 32 min
